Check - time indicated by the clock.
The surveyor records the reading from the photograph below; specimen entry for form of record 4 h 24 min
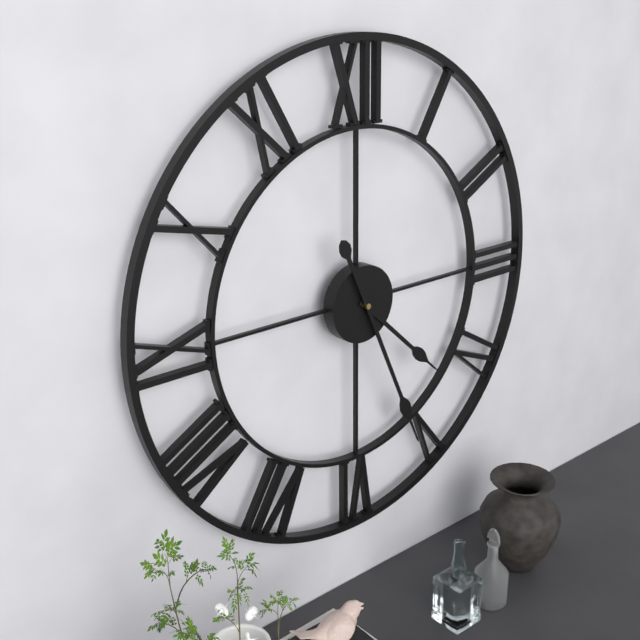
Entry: 4 h 26 min
